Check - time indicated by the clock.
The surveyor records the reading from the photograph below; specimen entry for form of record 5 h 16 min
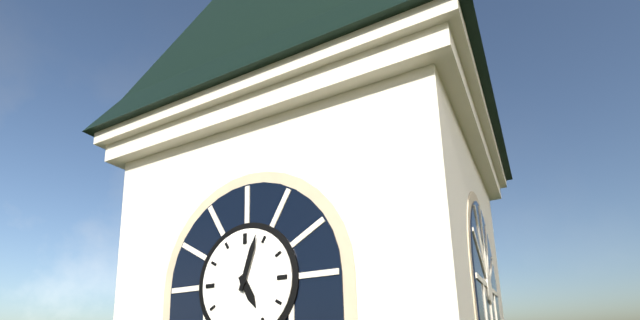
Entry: 5 h 03 min
